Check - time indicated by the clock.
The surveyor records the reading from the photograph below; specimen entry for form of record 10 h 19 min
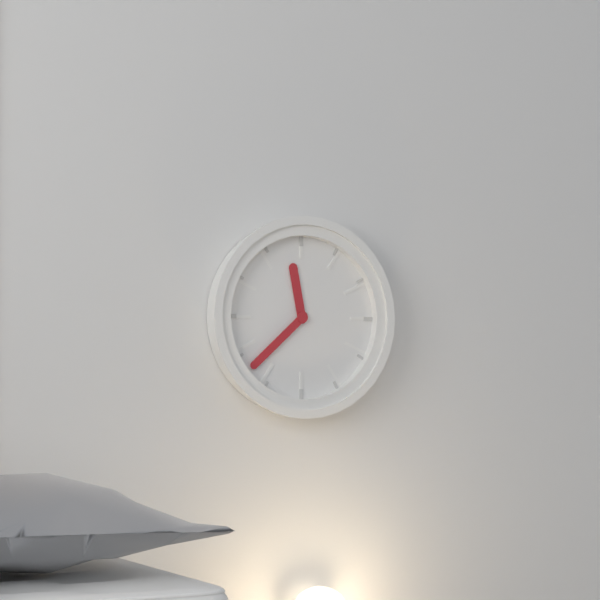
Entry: 11 h 38 min
